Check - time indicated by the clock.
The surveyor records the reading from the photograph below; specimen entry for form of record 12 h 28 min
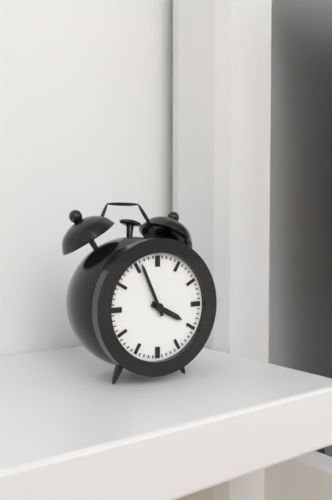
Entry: 3 h 56 min
